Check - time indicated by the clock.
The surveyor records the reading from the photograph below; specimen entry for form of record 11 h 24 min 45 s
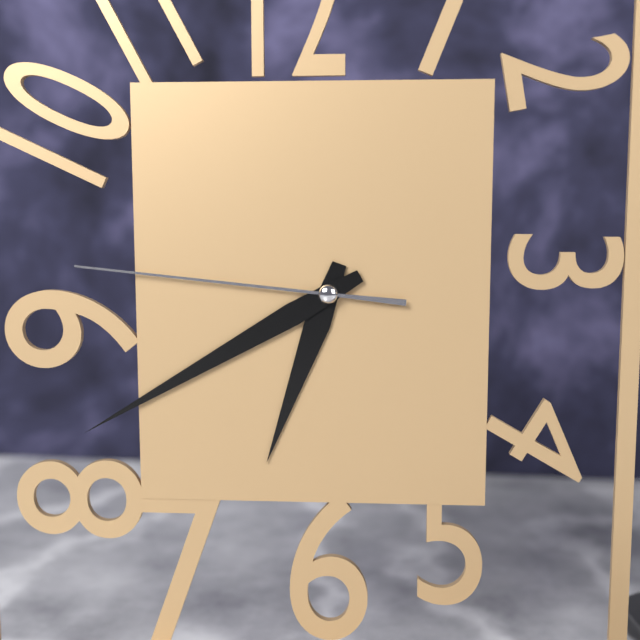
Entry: 6 h 40 min 46 s
